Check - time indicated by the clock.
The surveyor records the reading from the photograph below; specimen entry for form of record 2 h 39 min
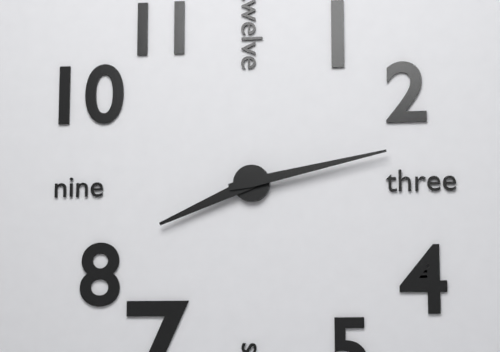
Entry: 8 h 13 min
